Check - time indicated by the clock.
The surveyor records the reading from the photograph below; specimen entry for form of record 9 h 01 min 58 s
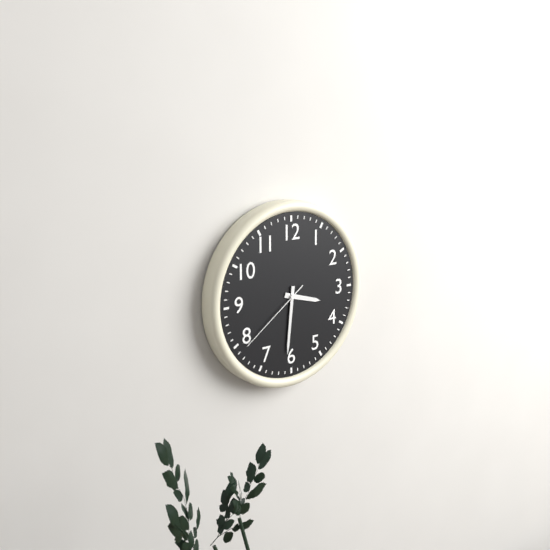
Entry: 3 h 31 min 39 s
